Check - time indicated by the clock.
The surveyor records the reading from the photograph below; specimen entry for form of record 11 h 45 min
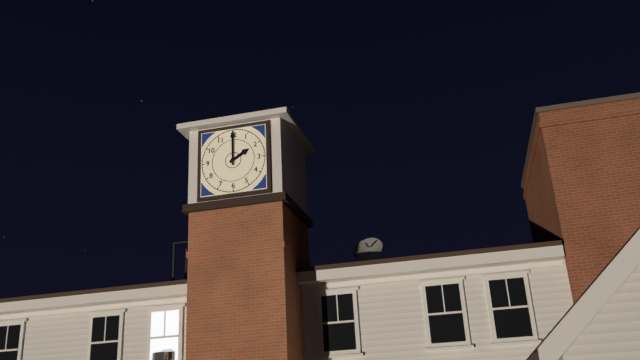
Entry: 2 h 00 min
